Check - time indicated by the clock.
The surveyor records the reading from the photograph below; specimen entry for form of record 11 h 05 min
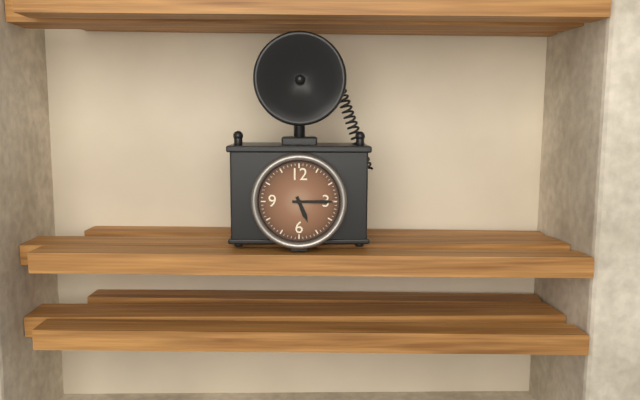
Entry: 5 h 15 min
